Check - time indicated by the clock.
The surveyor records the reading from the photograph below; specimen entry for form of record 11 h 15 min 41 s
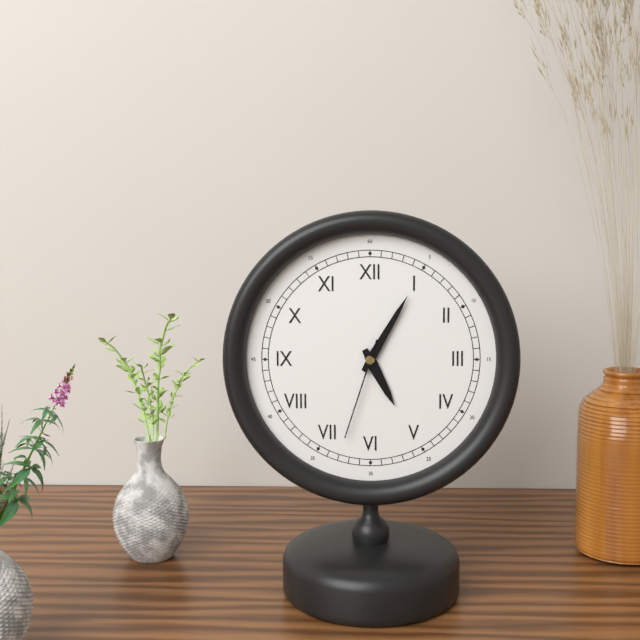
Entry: 5 h 05 min 33 s
